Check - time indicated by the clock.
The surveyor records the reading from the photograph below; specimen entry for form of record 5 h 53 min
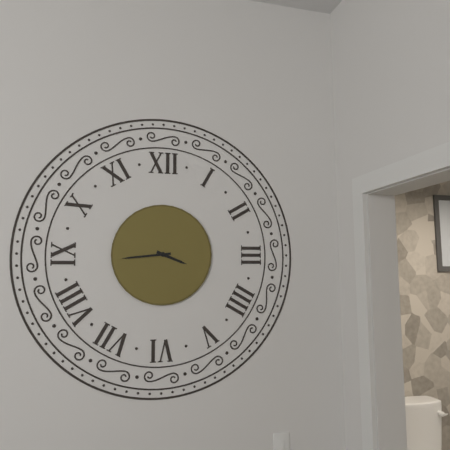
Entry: 3 h 44 min
